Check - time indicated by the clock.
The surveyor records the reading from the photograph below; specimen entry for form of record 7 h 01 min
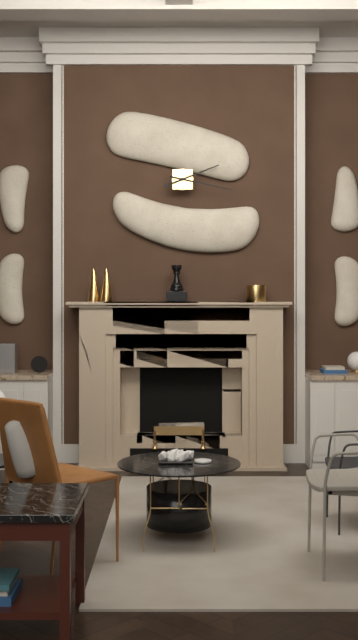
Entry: 2 h 17 min
